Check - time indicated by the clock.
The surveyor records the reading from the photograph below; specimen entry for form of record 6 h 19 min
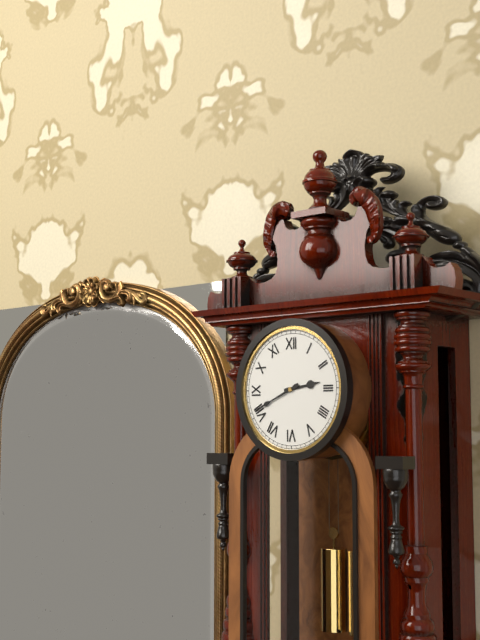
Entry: 2 h 41 min
